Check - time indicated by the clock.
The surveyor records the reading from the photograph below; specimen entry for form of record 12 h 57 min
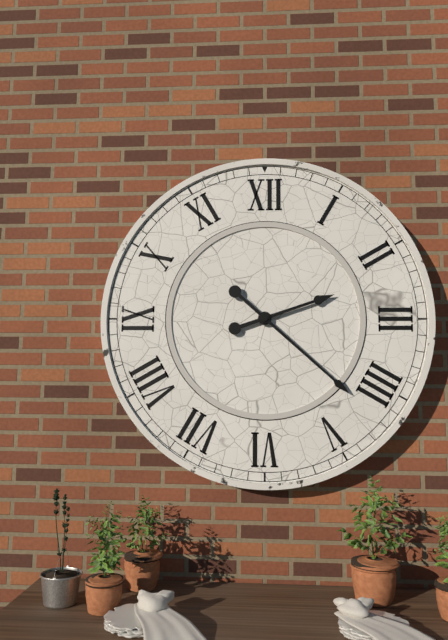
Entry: 2 h 22 min
